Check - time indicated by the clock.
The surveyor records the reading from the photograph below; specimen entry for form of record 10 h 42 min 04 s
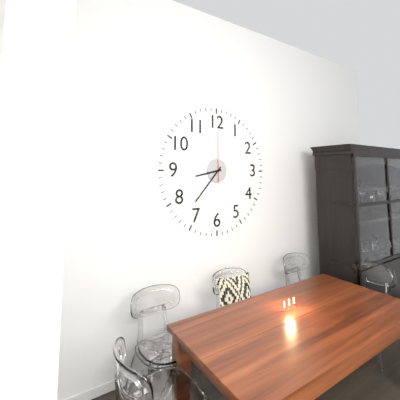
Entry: 8 h 37 min 00 s
